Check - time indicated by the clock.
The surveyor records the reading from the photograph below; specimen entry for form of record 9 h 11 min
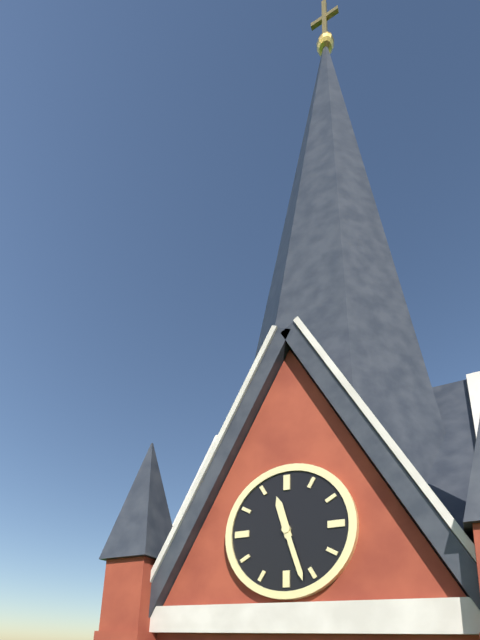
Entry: 11 h 27 min
